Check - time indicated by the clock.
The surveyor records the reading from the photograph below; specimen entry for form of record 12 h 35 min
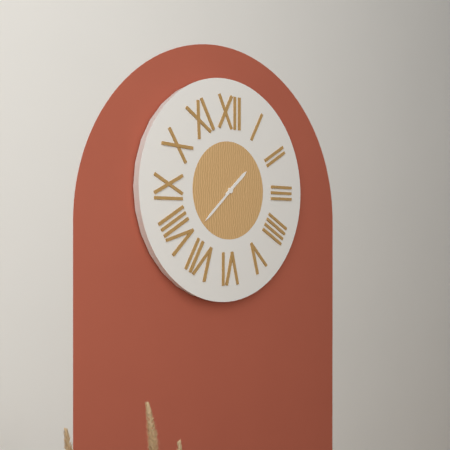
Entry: 1 h 38 min
